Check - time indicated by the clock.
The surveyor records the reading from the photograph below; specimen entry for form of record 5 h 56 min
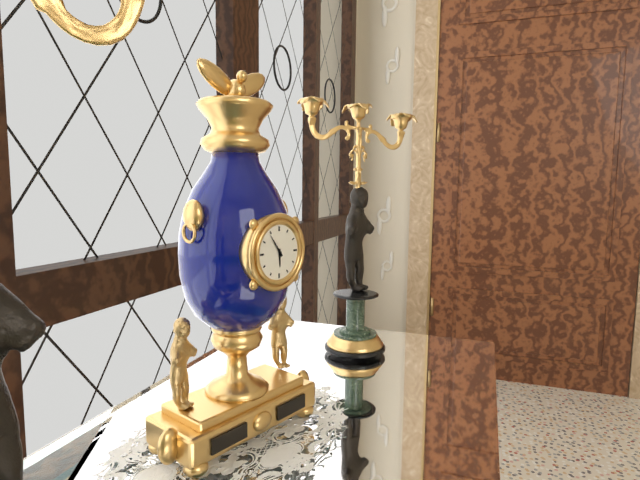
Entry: 5 h 54 min
